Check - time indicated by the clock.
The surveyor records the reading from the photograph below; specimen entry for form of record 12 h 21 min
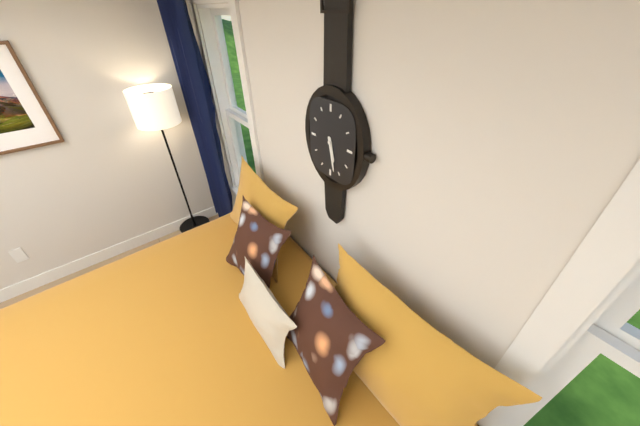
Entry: 5 h 28 min
